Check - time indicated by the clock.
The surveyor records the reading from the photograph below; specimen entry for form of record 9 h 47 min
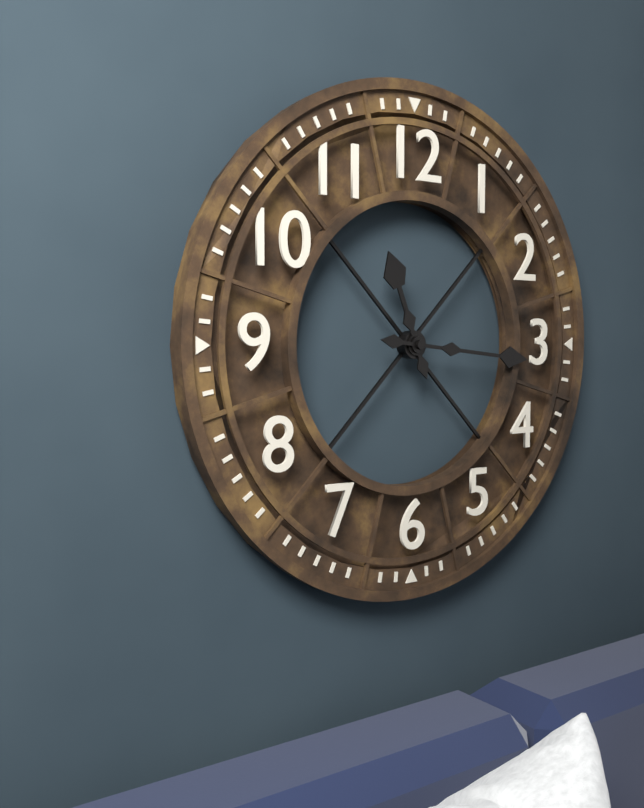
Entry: 11 h 16 min
